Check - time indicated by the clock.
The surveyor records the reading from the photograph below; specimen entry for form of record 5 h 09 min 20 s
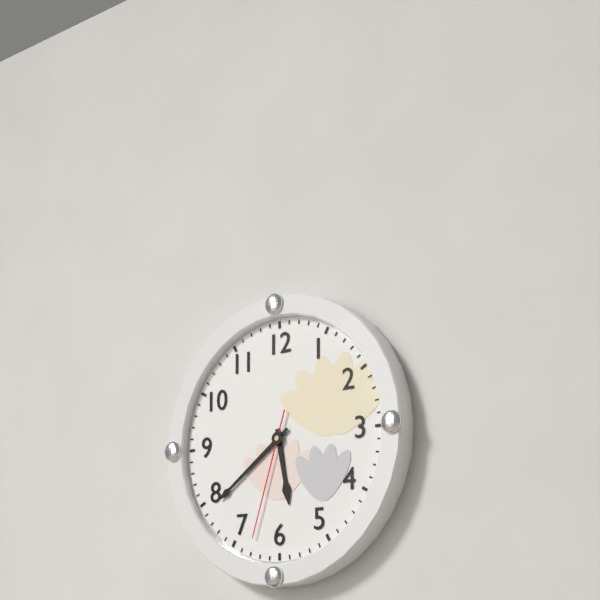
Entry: 5 h 39 min 33 s
